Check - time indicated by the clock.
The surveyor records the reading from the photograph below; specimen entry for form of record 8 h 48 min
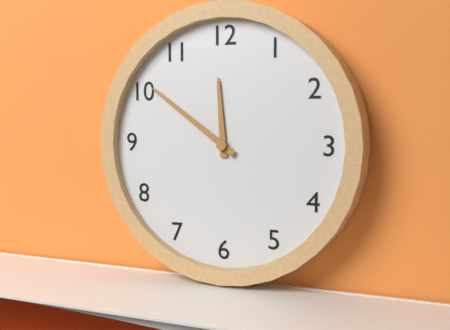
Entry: 11 h 51 min
